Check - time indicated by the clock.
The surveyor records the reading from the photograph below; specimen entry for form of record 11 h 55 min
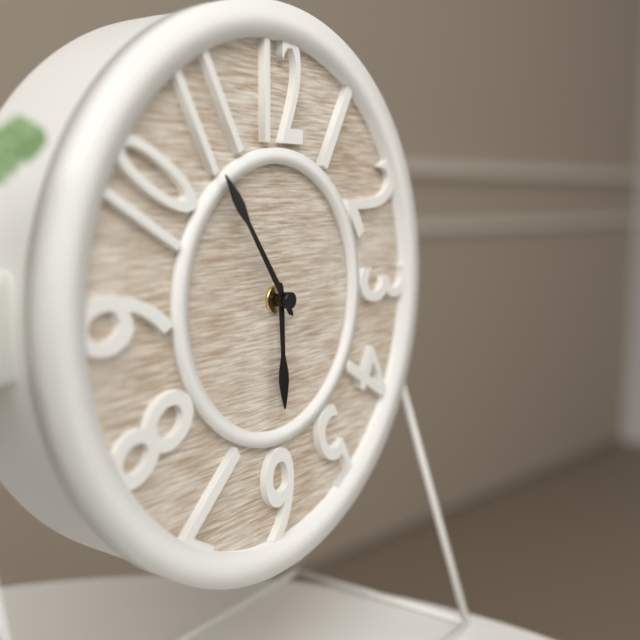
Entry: 5 h 54 min
